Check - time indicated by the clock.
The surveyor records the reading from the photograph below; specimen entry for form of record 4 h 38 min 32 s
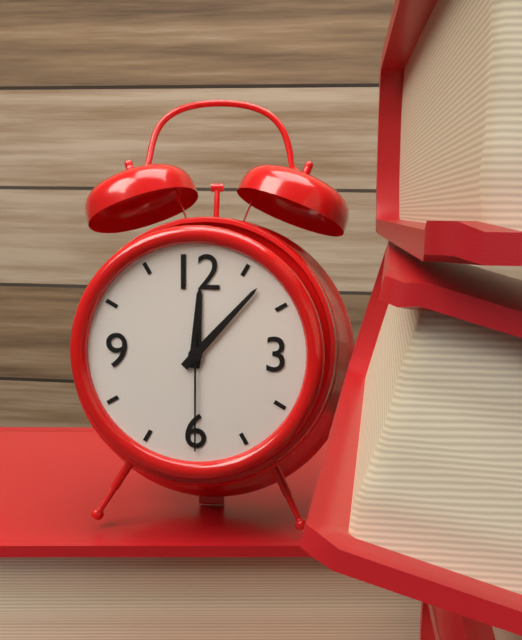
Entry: 12 h 07 min 30 s
